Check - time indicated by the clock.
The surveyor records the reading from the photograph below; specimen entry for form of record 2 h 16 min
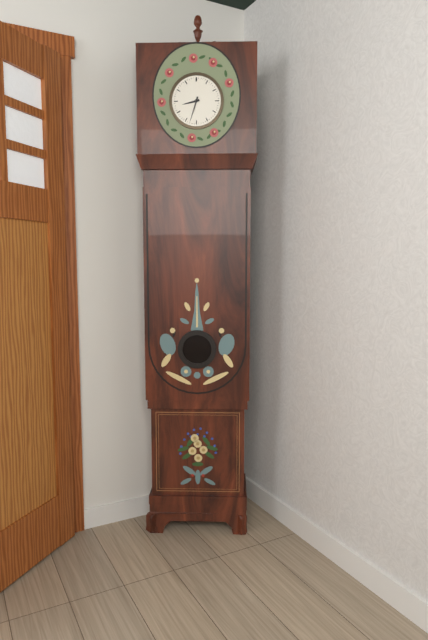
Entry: 8 h 33 min
